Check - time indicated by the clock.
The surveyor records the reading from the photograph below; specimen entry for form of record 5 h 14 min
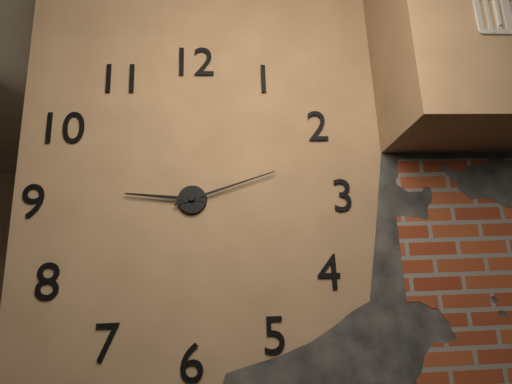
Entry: 9 h 12 min
